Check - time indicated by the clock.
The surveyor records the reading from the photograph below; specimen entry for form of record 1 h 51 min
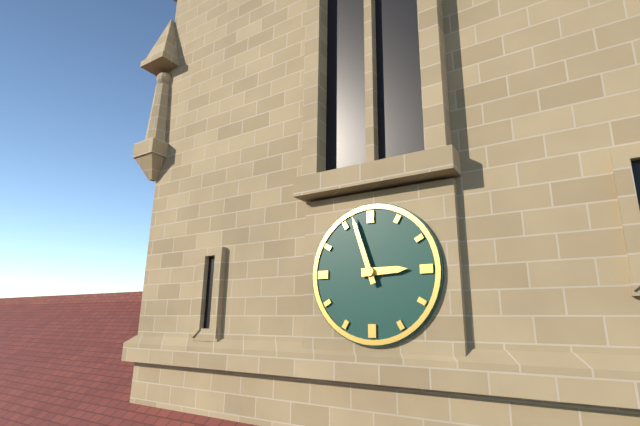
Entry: 2 h 57 min
